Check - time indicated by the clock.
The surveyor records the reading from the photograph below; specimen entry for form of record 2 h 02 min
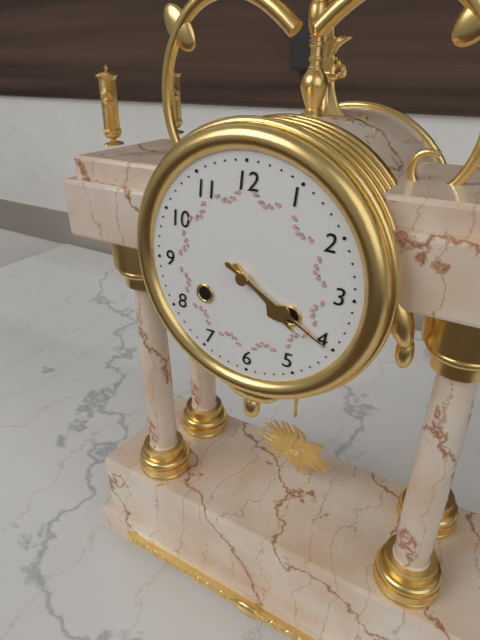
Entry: 4 h 20 min
